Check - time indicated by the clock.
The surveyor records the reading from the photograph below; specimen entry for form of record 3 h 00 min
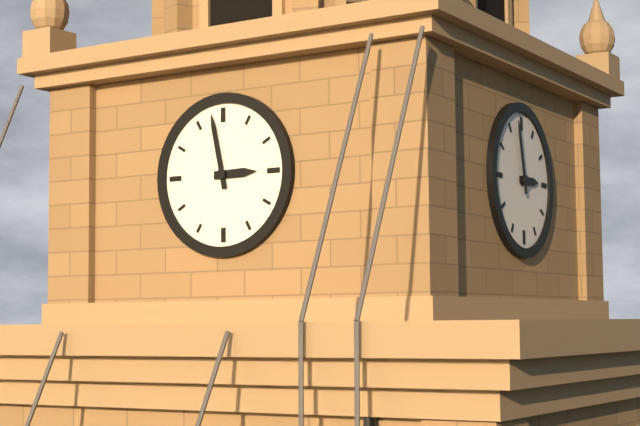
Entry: 2 h 58 min
